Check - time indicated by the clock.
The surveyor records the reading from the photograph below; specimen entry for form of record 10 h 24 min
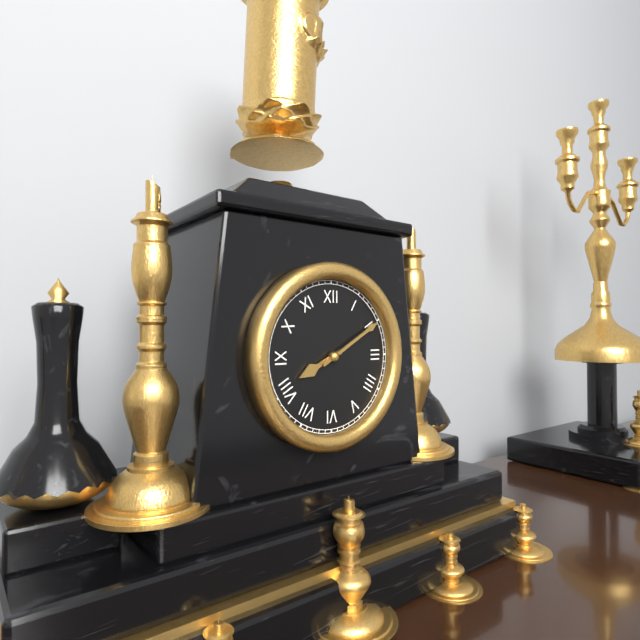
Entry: 8 h 10 min
